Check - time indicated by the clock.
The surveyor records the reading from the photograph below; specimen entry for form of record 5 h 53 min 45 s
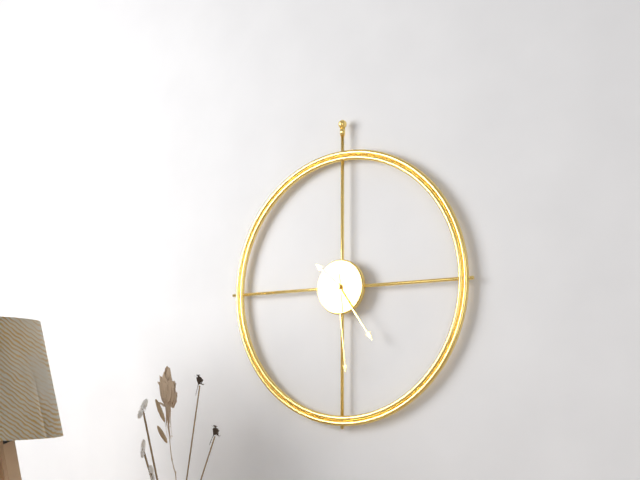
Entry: 10 h 24 min 29 s
